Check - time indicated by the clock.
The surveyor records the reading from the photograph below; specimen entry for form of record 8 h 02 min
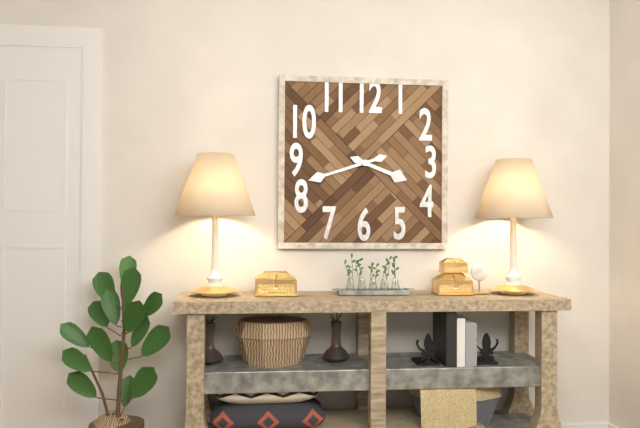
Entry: 3 h 42 min
